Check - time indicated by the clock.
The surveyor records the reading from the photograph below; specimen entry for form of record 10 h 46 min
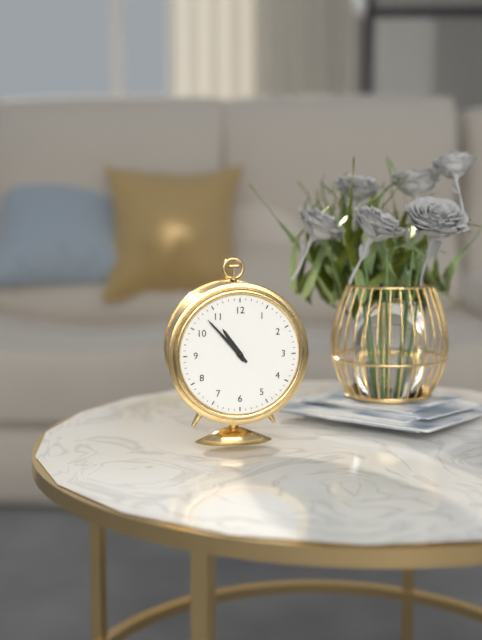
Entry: 10 h 53 min
